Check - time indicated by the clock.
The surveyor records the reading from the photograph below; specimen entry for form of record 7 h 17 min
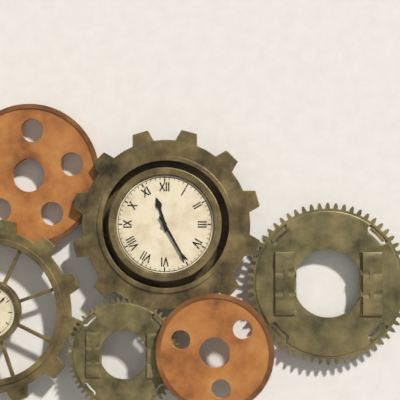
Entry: 11 h 25 min
